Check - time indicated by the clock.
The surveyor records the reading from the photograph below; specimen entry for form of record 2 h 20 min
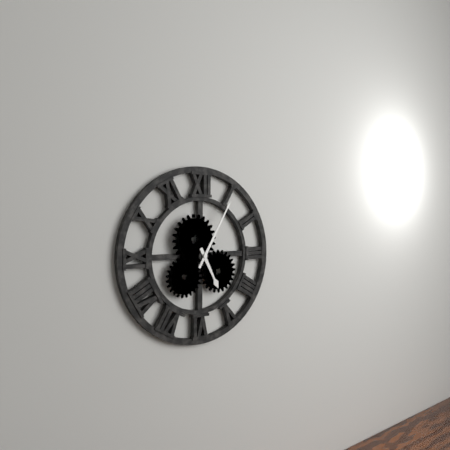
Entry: 5 h 05 min
